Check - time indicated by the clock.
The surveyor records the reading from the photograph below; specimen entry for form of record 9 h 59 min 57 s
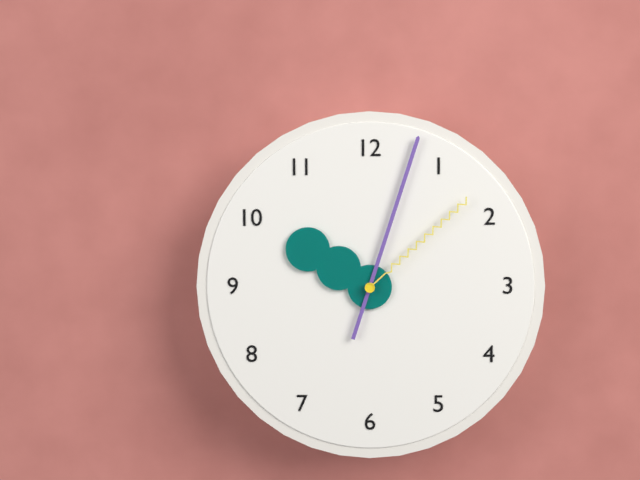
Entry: 10 h 03 min 08 s
